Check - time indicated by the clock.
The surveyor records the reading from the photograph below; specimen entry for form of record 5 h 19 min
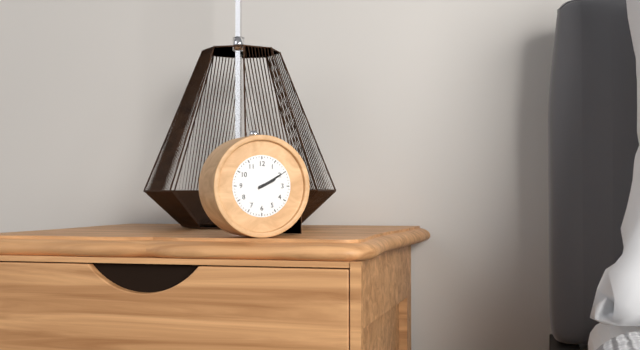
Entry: 2 h 10 min
